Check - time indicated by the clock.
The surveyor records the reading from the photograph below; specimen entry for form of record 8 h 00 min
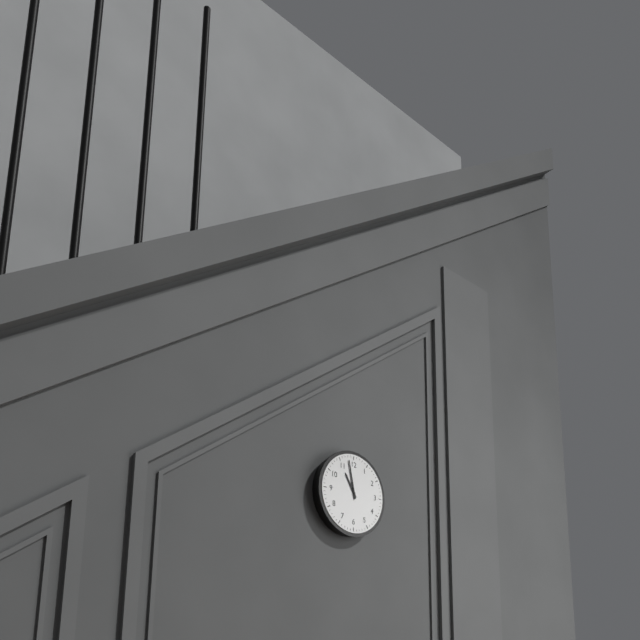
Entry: 10 h 58 min
